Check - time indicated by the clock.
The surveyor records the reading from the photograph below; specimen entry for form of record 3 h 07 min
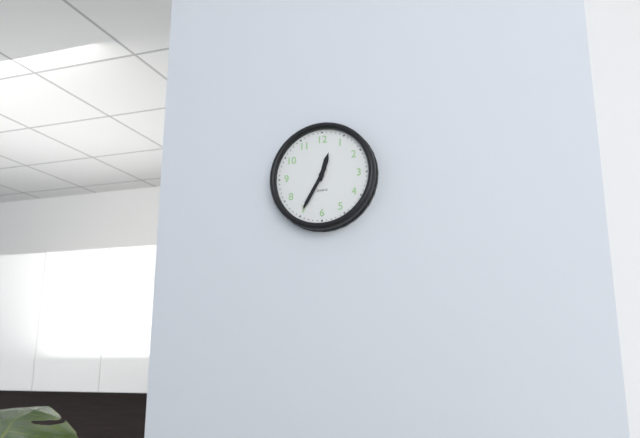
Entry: 12 h 35 min
